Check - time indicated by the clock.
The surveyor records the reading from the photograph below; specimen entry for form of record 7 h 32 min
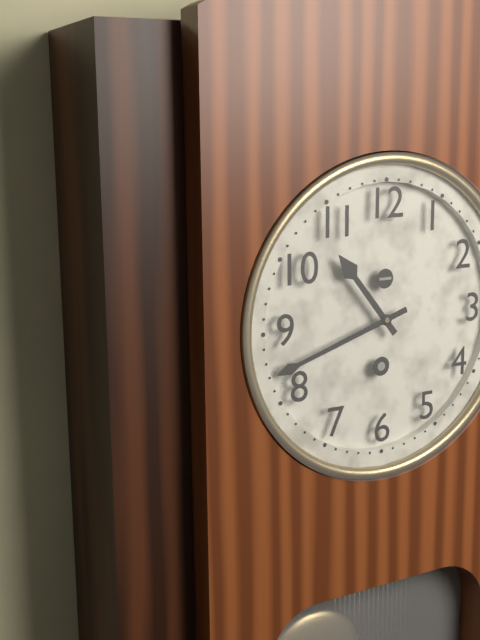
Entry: 10 h 42 min
